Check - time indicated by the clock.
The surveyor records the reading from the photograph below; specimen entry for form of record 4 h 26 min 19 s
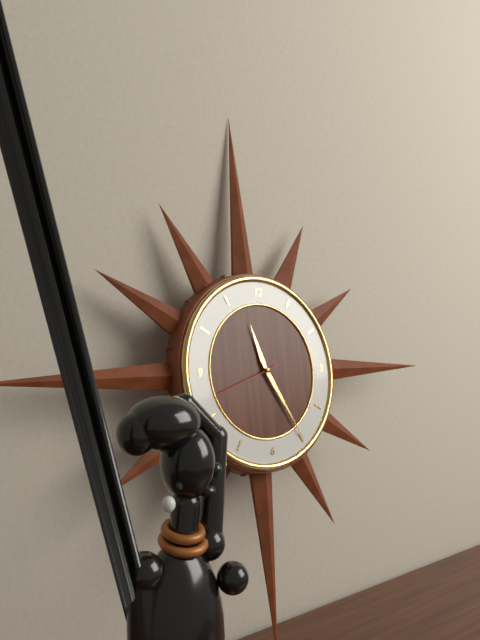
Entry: 11 h 25 min 42 s
